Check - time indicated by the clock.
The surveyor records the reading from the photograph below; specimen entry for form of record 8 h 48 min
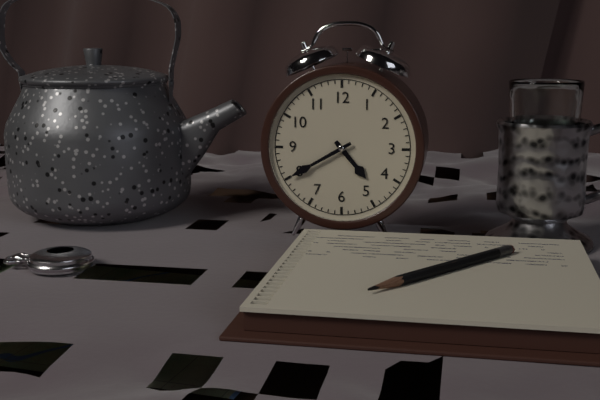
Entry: 4 h 40 min
